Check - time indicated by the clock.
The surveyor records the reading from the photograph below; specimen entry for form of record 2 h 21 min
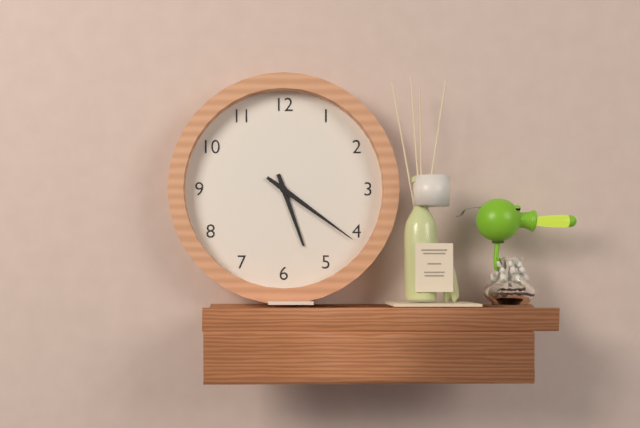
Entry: 5 h 21 min
